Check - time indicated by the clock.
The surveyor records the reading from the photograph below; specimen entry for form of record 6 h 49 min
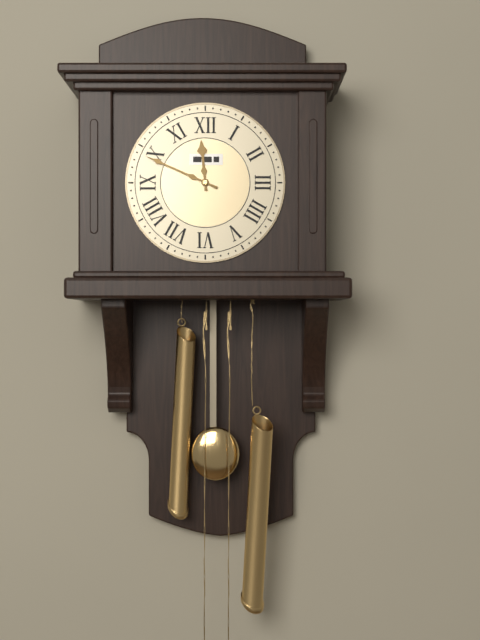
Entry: 11 h 49 min
